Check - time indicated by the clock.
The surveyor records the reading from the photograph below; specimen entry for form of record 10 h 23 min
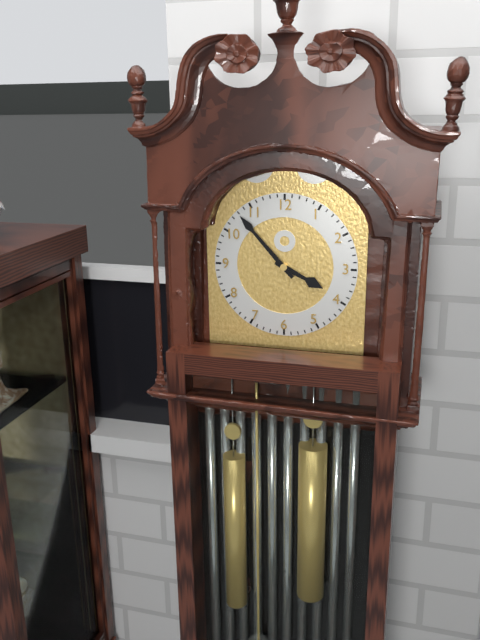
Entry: 3 h 53 min
